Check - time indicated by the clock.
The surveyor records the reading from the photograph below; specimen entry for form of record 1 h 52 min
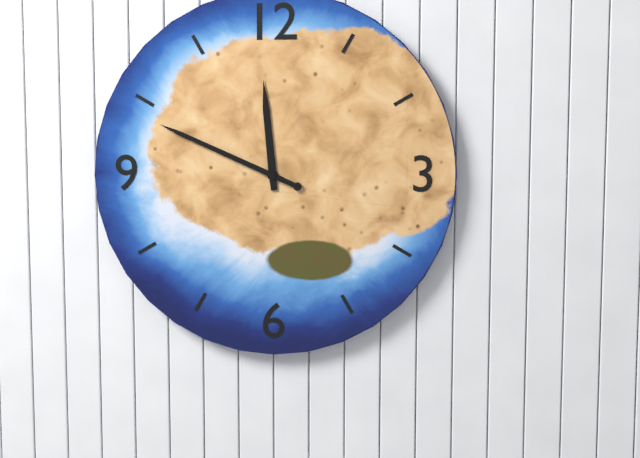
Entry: 11 h 49 min
